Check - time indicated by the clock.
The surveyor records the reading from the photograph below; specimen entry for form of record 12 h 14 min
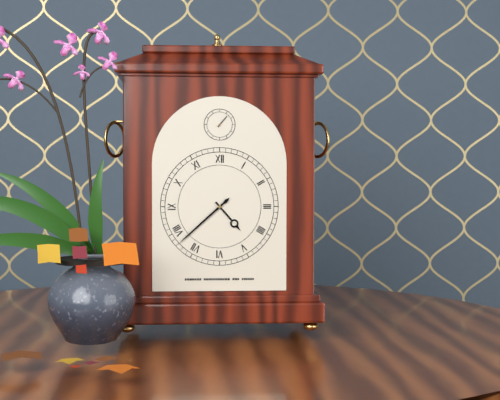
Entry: 4 h 38 min
